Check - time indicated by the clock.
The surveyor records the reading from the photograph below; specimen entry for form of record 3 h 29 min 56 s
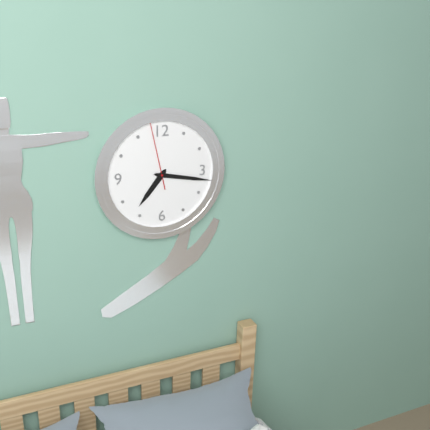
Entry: 7 h 17 min 58 s
